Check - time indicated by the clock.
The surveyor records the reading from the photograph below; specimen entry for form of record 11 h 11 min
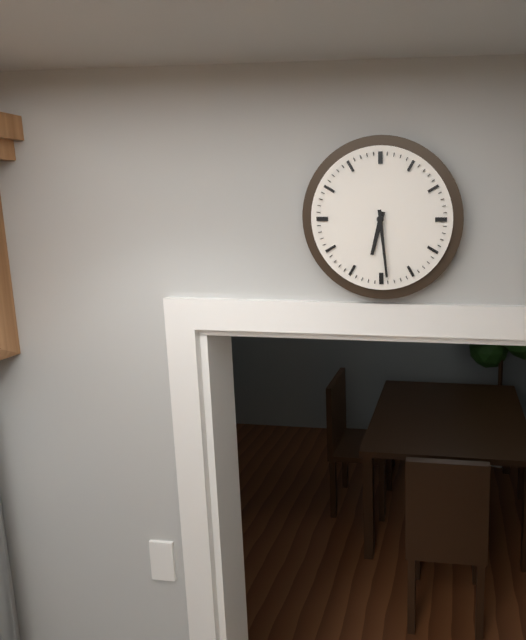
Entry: 6 h 29 min
